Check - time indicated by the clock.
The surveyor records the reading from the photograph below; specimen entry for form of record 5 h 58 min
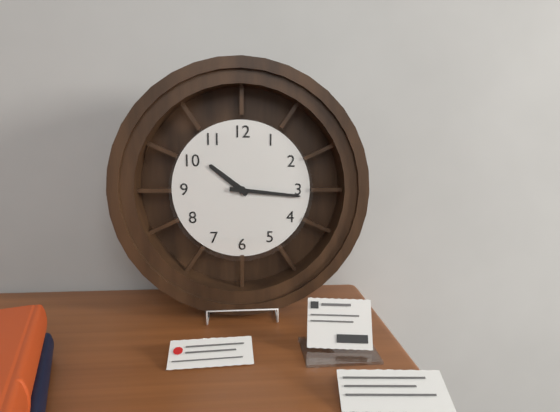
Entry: 10 h 16 min
